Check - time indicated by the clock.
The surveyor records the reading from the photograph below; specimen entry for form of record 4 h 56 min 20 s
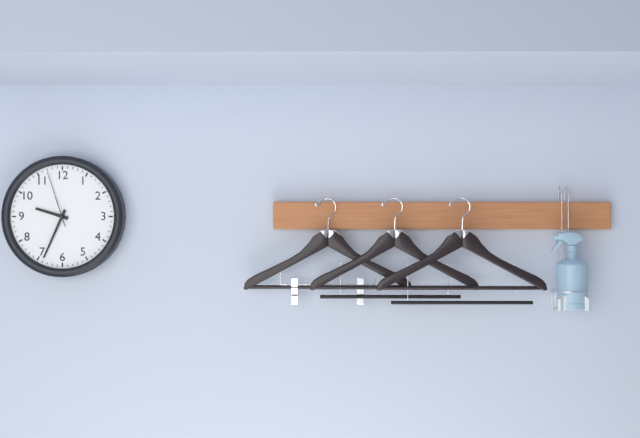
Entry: 9 h 34 min 57 s
